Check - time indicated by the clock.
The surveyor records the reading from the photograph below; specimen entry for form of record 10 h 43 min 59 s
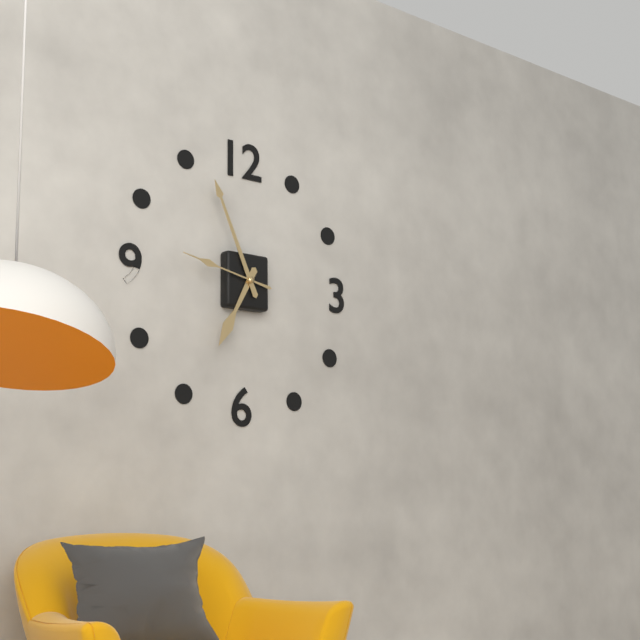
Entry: 6 h 56 min 47 s
